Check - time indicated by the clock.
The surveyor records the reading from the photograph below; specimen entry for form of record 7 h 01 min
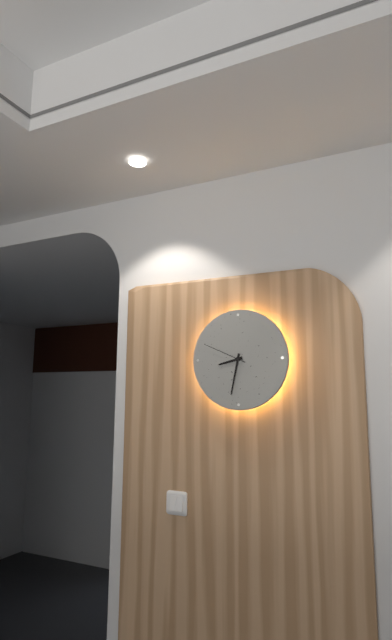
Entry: 8 h 32 min
